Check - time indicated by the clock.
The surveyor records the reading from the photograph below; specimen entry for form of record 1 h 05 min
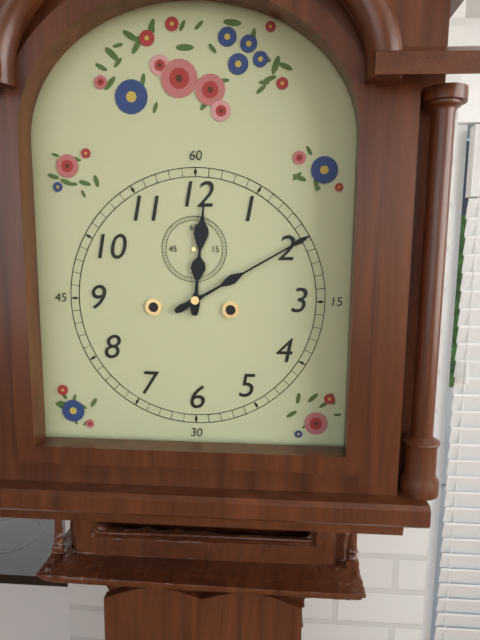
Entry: 12 h 10 min
